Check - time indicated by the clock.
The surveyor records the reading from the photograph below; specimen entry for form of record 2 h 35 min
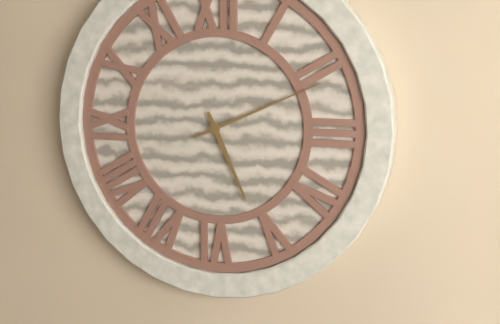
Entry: 5 h 11 min
